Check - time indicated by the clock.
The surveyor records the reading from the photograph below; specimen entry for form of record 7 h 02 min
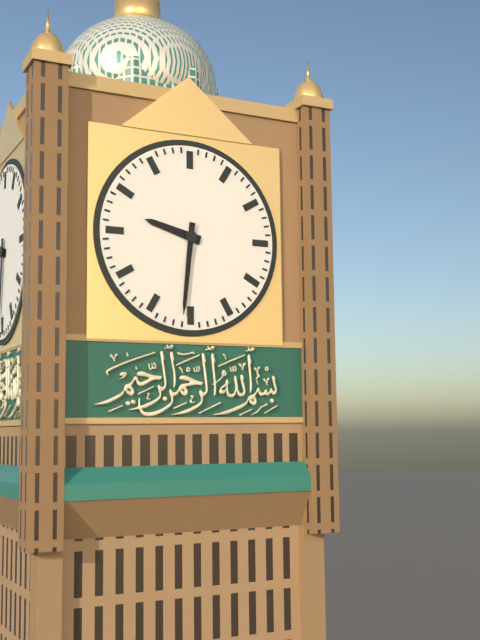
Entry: 9 h 31 min
